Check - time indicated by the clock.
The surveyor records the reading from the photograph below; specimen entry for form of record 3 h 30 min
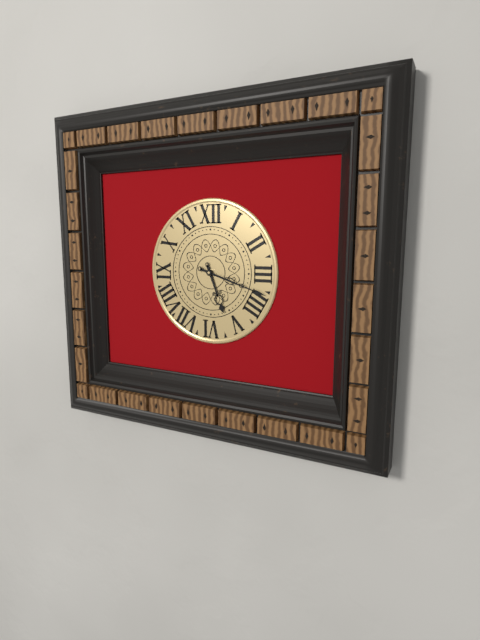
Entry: 5 h 18 min
